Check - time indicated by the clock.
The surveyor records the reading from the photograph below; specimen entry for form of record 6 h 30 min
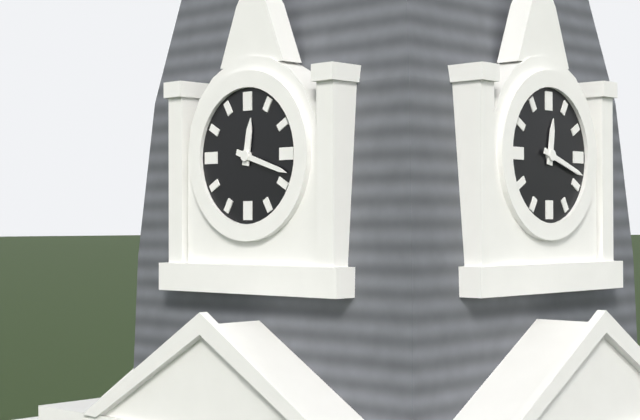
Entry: 12 h 18 min
